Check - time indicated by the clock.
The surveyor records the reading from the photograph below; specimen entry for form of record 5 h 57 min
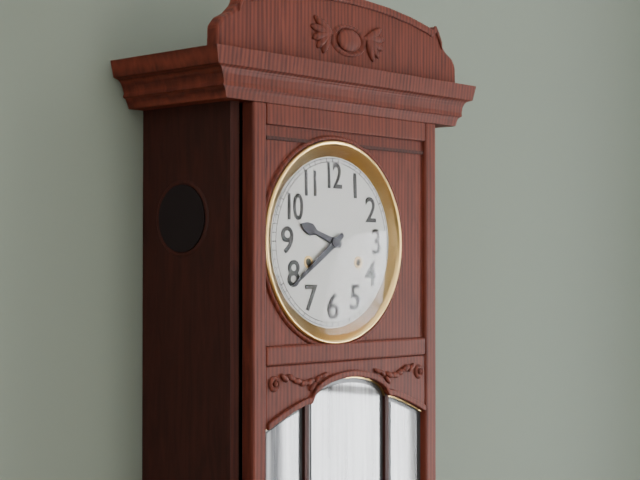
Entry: 9 h 39 min
